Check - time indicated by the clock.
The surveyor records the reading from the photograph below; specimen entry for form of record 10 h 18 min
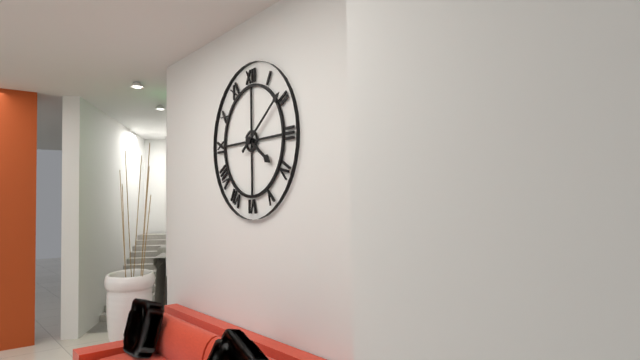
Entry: 4 h 09 min
